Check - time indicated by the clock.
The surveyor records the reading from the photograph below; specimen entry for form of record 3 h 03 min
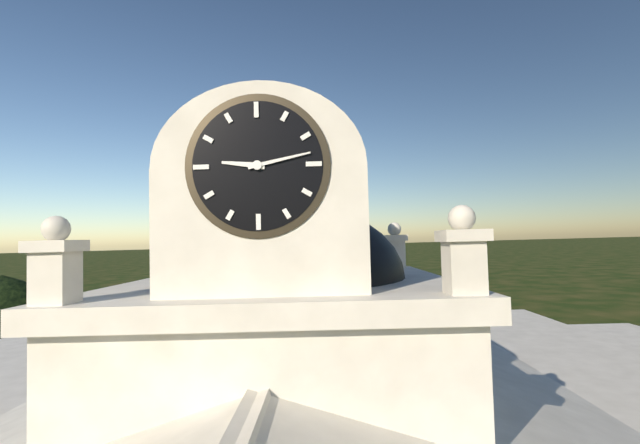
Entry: 9 h 13 min
